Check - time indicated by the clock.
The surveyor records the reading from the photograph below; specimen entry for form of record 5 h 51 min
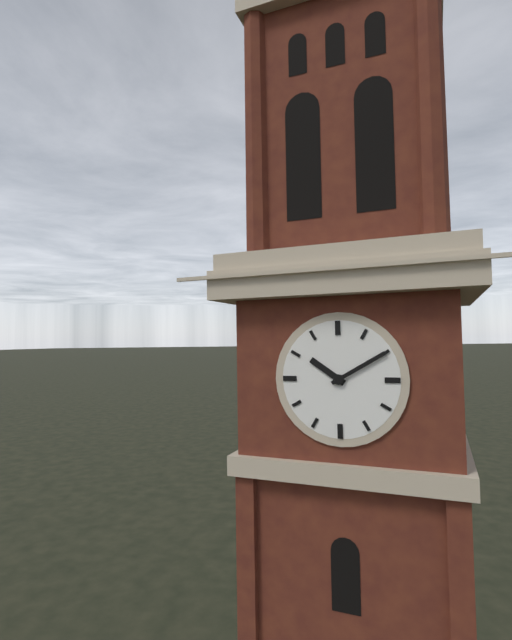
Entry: 10 h 10 min
